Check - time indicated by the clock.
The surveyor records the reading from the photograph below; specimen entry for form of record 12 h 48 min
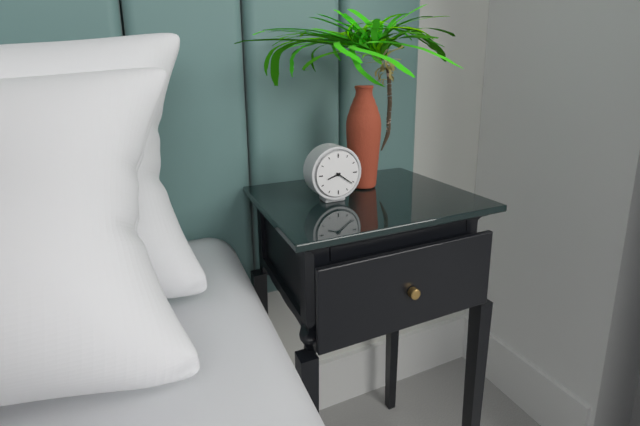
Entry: 8 h 21 min
